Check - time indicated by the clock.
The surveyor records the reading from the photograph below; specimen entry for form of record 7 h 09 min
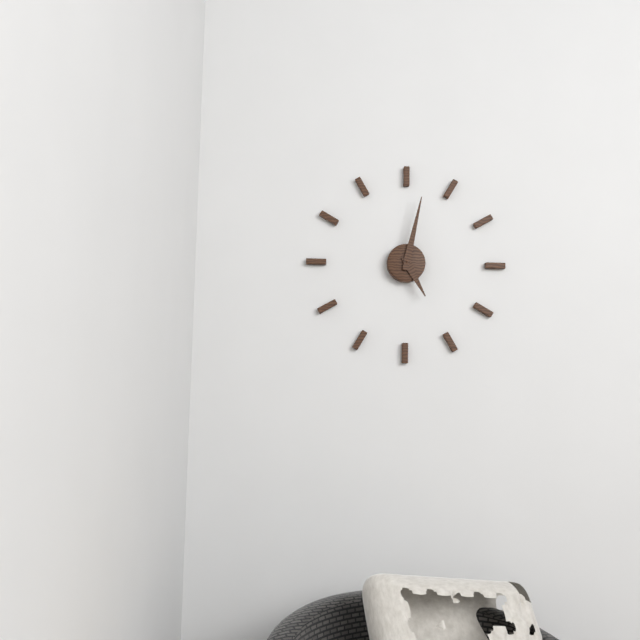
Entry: 5 h 02 min
